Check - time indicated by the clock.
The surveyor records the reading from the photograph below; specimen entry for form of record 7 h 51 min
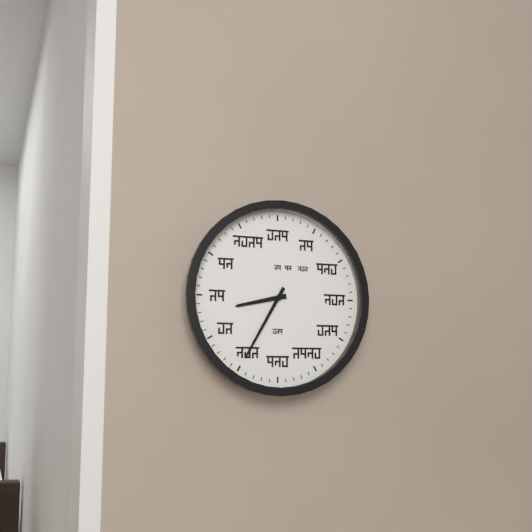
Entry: 8 h 35 min
